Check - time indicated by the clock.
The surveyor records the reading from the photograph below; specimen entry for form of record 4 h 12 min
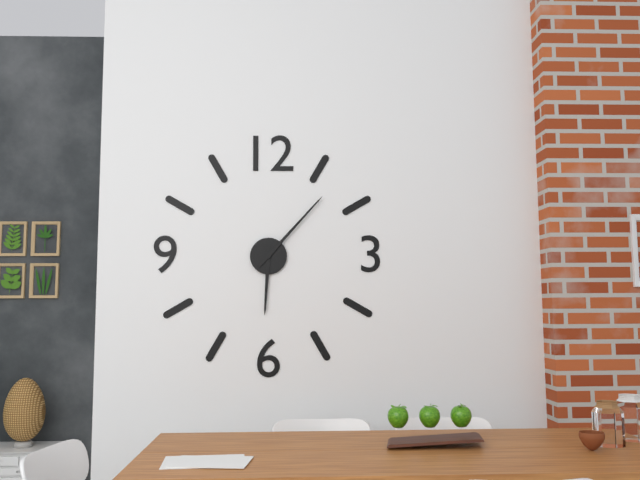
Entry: 6 h 07 min
